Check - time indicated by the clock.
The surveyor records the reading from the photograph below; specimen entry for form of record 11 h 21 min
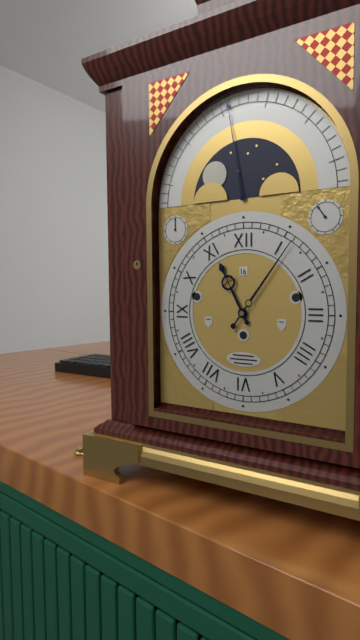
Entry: 11 h 06 min
